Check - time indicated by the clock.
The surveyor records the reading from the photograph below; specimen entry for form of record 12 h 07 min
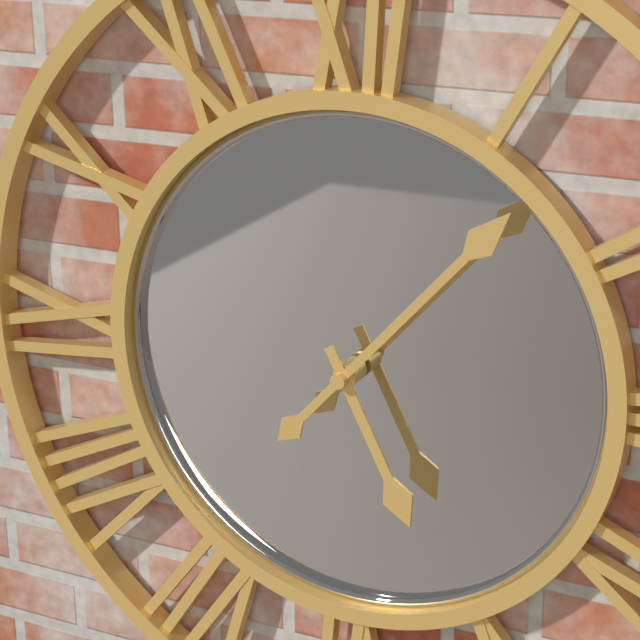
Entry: 5 h 07 min
